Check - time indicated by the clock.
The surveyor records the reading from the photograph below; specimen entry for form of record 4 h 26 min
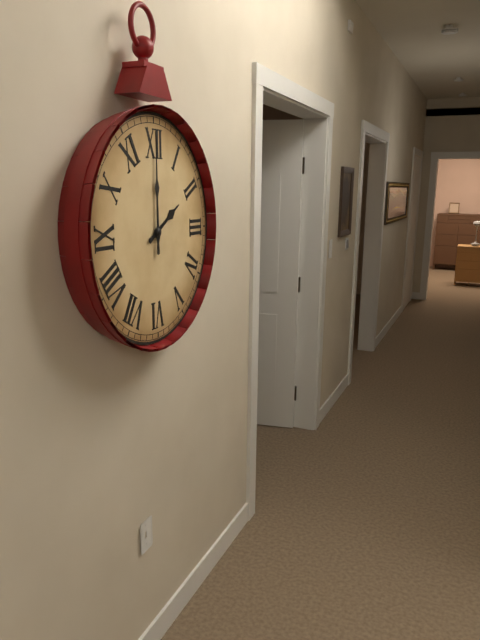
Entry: 2 h 00 min
